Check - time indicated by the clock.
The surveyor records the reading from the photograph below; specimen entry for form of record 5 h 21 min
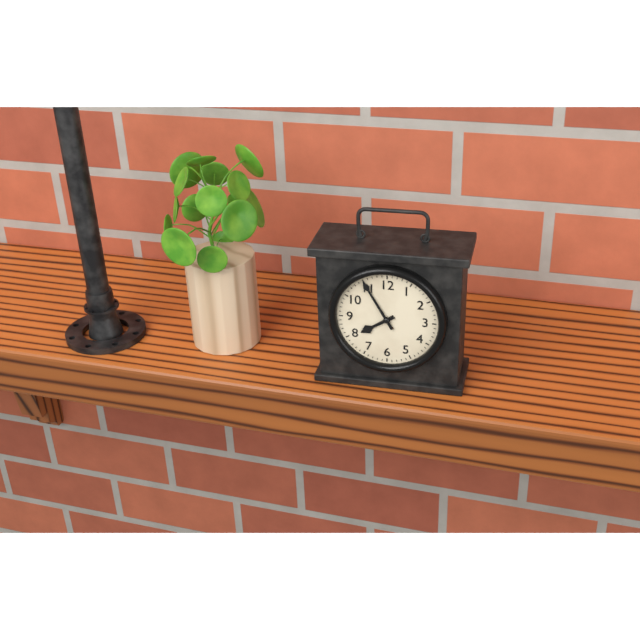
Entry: 7 h 55 min
